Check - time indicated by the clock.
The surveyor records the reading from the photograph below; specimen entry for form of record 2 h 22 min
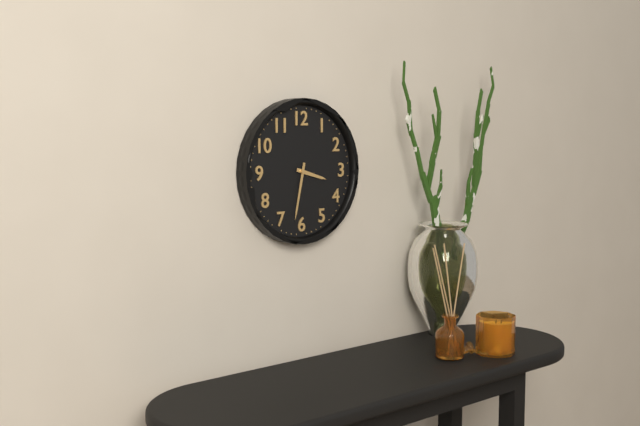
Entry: 3 h 32 min
